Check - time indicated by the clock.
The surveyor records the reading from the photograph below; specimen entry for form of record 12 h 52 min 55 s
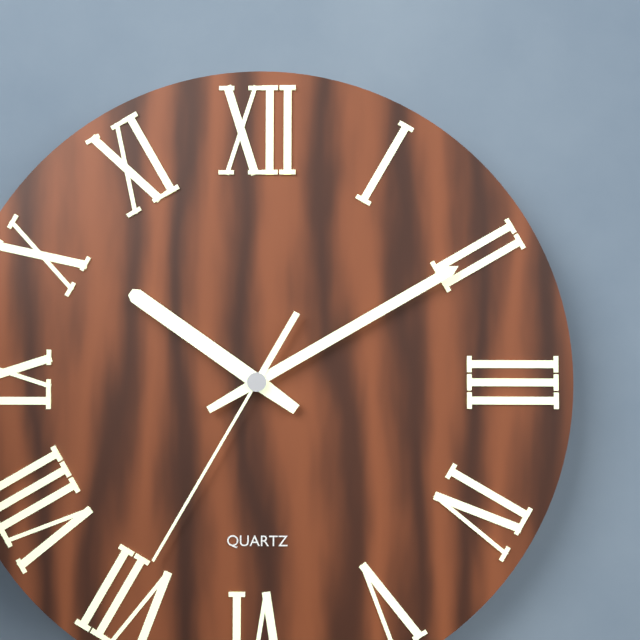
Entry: 10 h 10 min 35 s
